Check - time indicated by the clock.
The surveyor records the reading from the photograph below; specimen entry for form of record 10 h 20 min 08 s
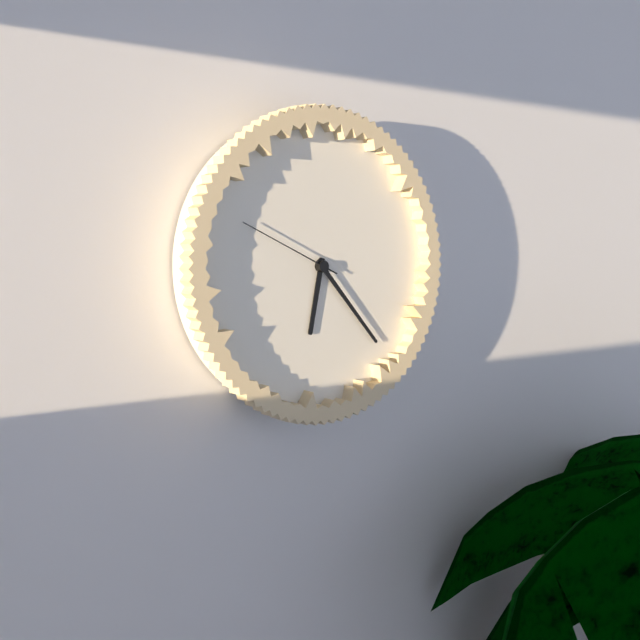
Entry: 6 h 23 min 49 s
